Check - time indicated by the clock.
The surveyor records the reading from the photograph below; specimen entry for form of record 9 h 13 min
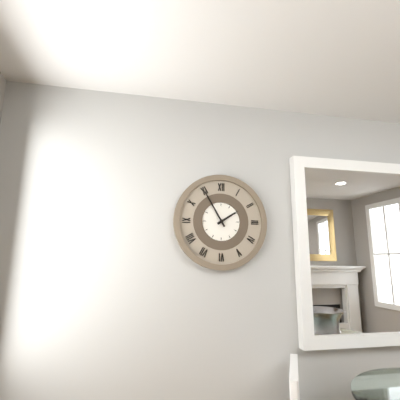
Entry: 1 h 55 min
